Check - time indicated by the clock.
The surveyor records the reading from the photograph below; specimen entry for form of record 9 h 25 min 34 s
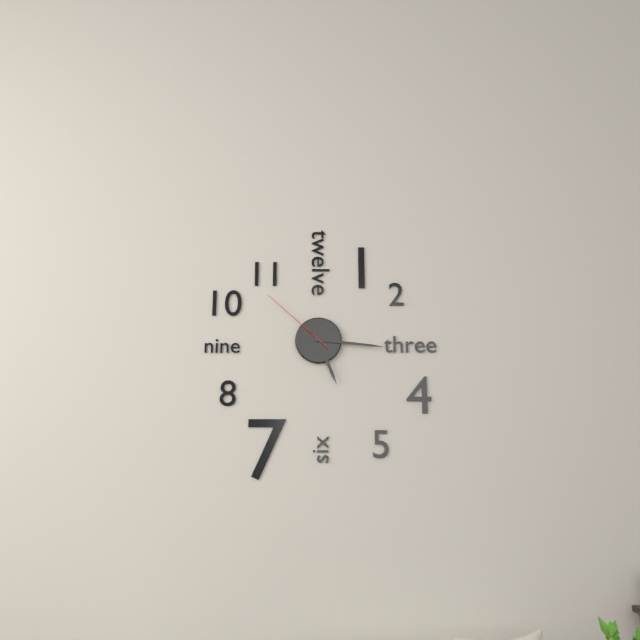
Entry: 5 h 16 min 52 s
